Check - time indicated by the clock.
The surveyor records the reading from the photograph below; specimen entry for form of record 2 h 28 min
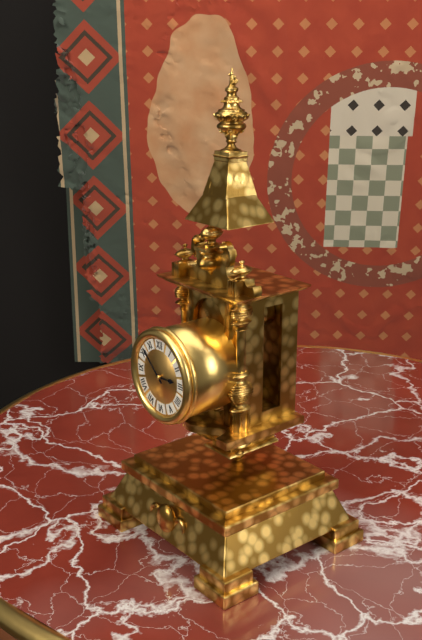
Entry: 2 h 52 min
